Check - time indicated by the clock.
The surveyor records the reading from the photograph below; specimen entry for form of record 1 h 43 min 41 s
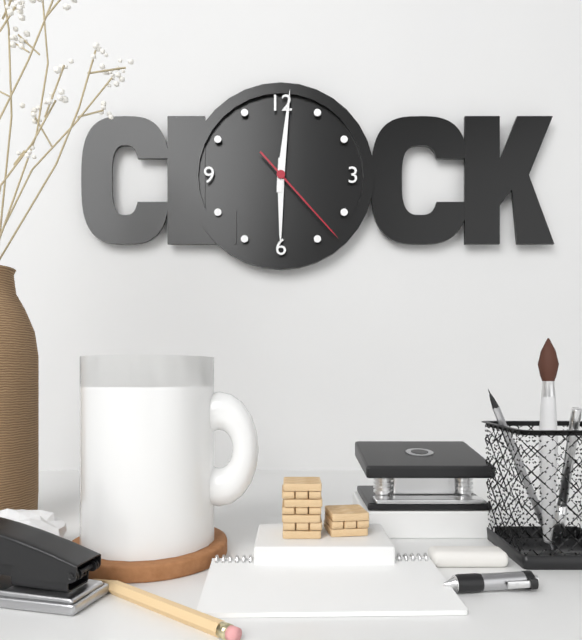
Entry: 6 h 01 min 23 s
